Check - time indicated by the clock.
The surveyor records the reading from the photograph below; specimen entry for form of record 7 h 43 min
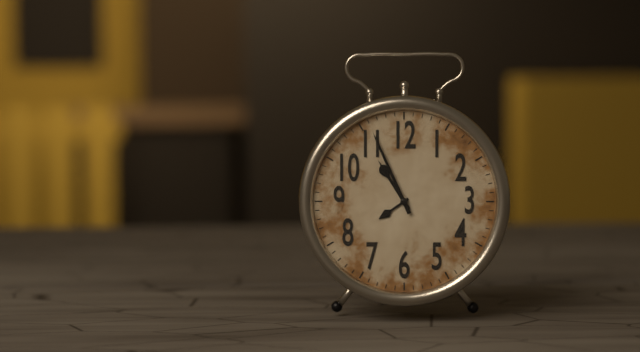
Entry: 10 h 56 min
